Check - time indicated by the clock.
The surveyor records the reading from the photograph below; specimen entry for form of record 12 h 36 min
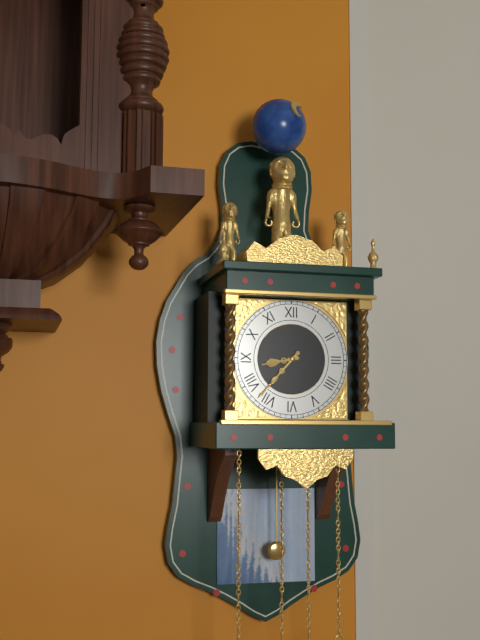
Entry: 8 h 37 min
